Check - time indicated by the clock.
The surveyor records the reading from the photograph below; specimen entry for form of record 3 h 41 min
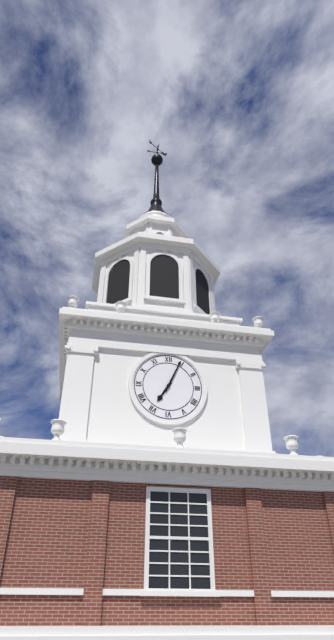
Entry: 7 h 04 min
